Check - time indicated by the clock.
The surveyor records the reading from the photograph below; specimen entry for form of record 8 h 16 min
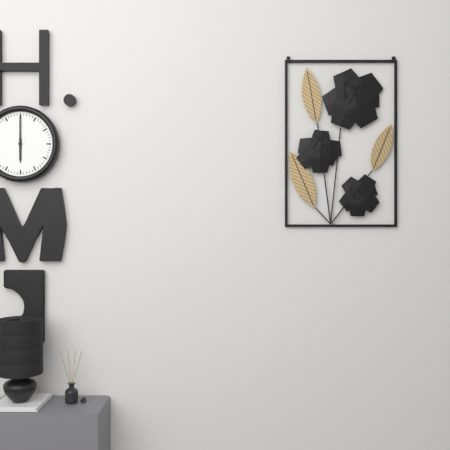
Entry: 6 h 00 min
